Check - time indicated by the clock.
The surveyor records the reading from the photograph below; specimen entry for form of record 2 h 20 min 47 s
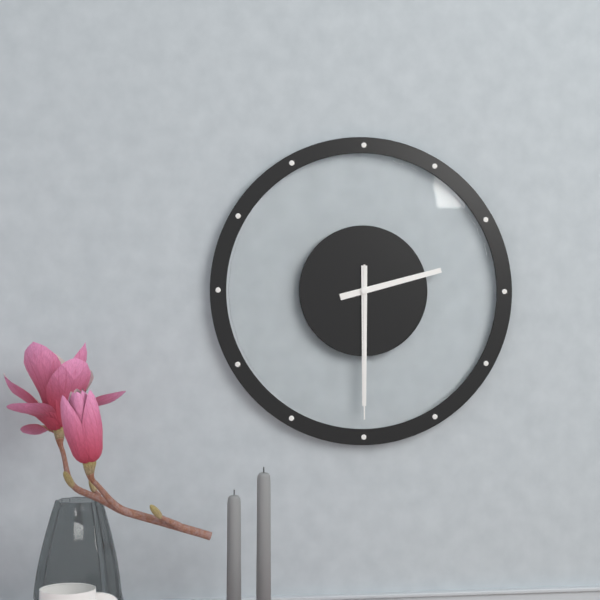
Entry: 2 h 30 min 30 s
